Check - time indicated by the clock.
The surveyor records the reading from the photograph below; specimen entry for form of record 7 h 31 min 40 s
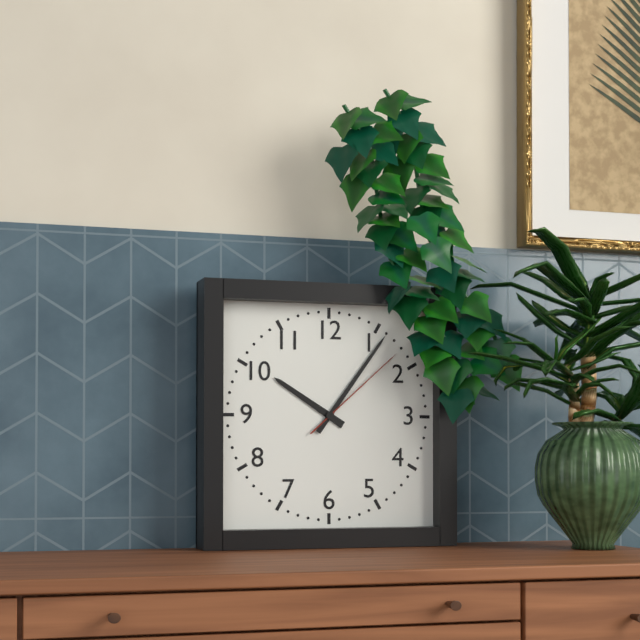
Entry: 10 h 06 min 08 s
